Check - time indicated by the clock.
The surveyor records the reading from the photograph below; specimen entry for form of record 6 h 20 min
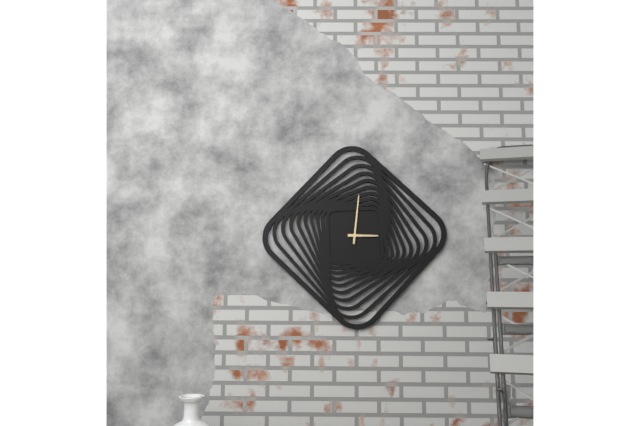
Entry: 3 h 01 min
